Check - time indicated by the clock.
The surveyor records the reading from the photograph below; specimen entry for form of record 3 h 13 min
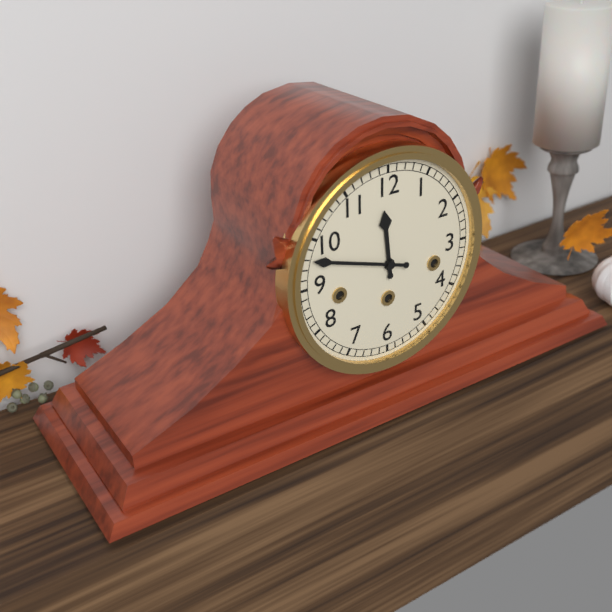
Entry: 11 h 48 min
